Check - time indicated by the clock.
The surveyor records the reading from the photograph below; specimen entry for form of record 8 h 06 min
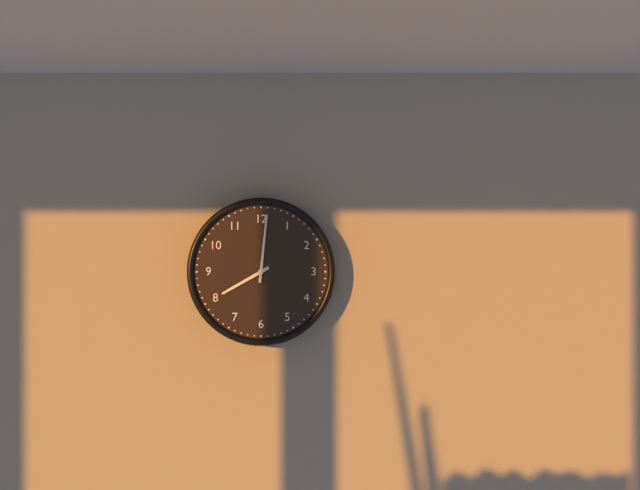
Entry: 8 h 01 min
